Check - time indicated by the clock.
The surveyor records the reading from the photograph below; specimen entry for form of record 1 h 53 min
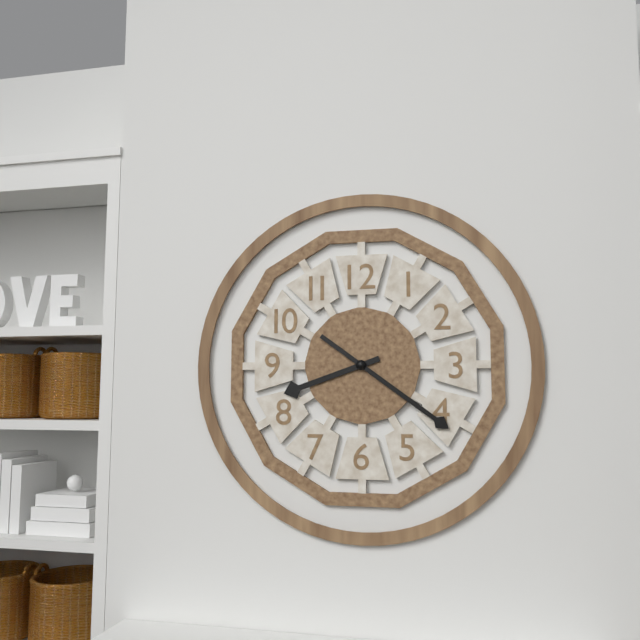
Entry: 8 h 21 min
